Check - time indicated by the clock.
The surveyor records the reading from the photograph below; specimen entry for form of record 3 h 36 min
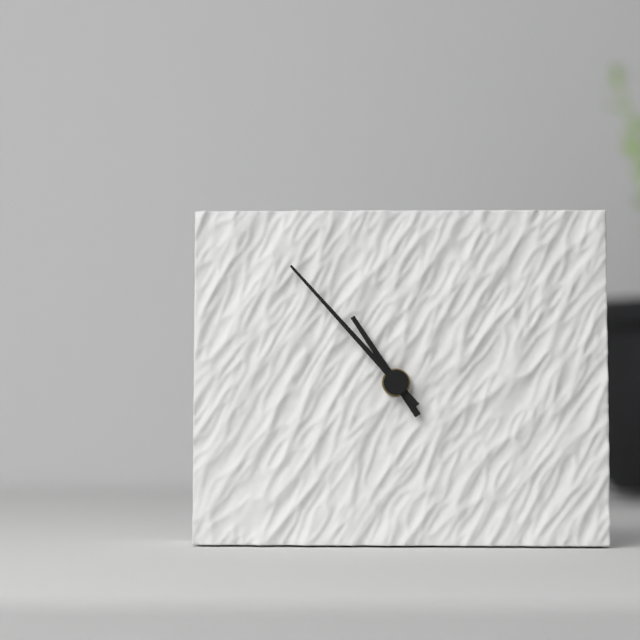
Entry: 10 h 53 min
